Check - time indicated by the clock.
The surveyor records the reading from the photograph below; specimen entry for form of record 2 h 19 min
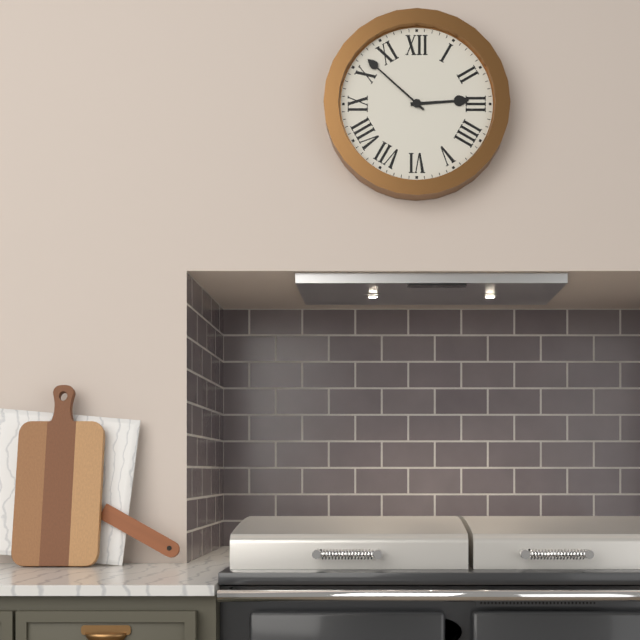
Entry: 2 h 52 min
